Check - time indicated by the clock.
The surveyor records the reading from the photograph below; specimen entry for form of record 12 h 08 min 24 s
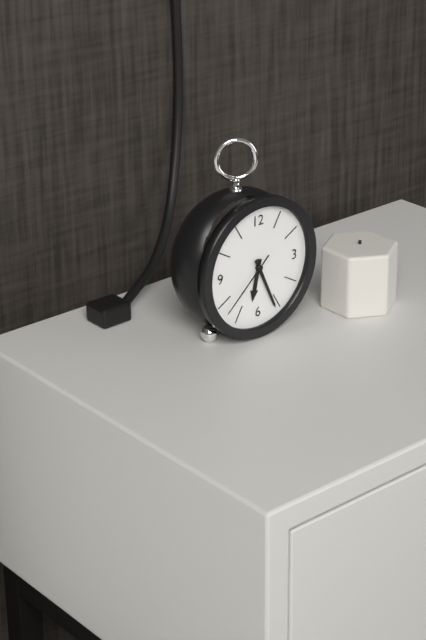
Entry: 6 h 26 min 38 s
